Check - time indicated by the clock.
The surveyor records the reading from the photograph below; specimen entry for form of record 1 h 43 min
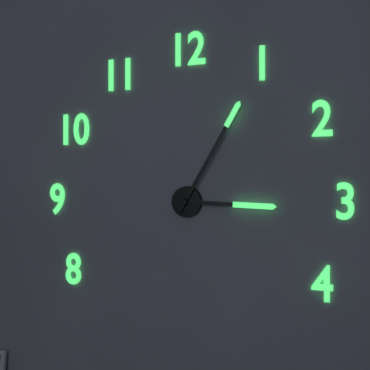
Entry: 3 h 05 min
